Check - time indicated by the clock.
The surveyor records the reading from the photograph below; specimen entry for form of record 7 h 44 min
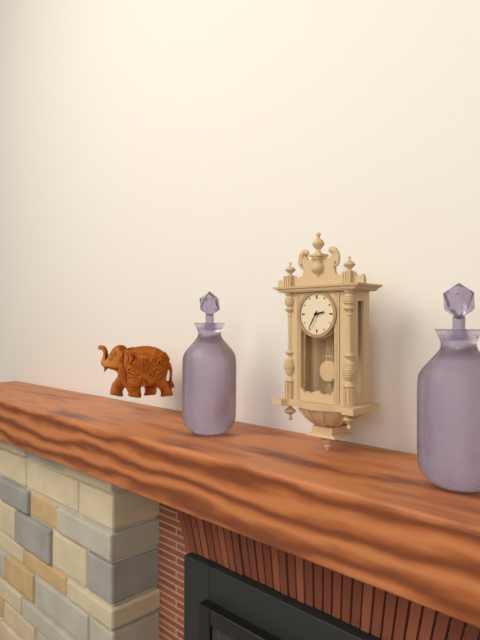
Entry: 2 h 35 min
